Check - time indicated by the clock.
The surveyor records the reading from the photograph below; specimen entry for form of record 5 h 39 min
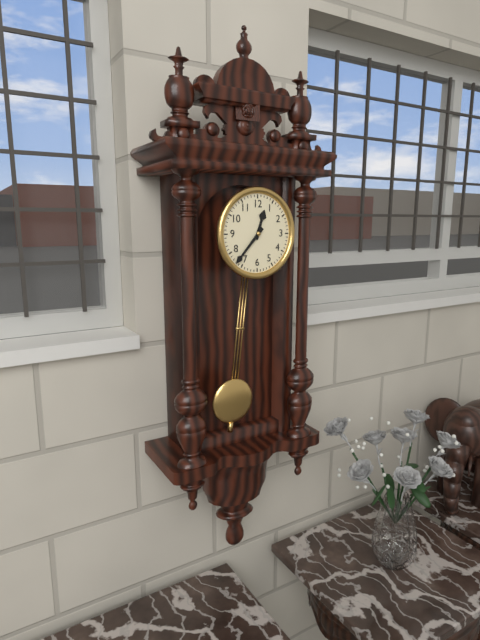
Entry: 12 h 37 min
